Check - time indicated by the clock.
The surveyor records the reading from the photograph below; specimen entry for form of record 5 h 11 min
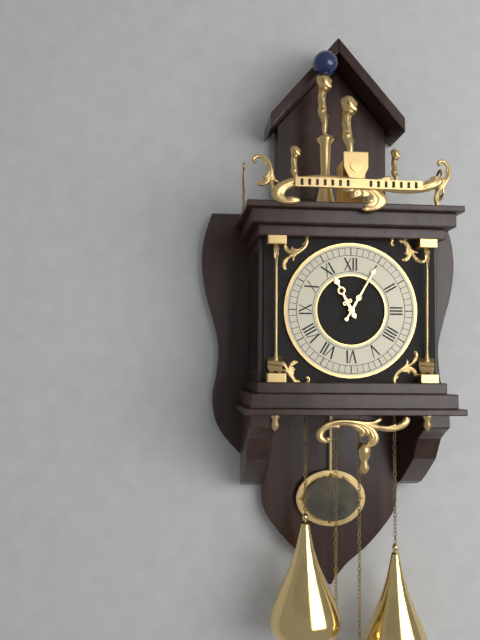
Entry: 11 h 05 min
